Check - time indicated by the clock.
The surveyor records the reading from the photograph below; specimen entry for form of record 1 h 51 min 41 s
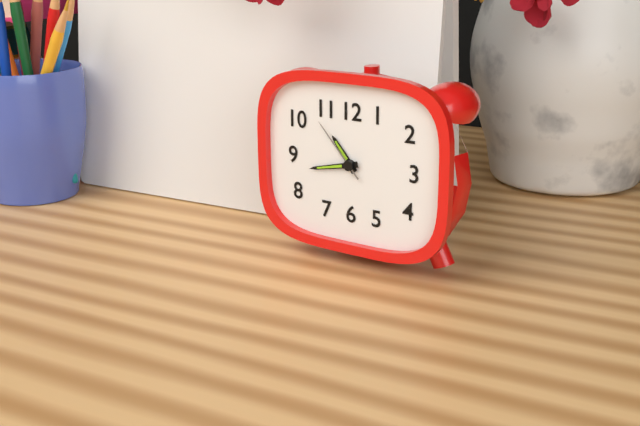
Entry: 10 h 43 min 53 s
